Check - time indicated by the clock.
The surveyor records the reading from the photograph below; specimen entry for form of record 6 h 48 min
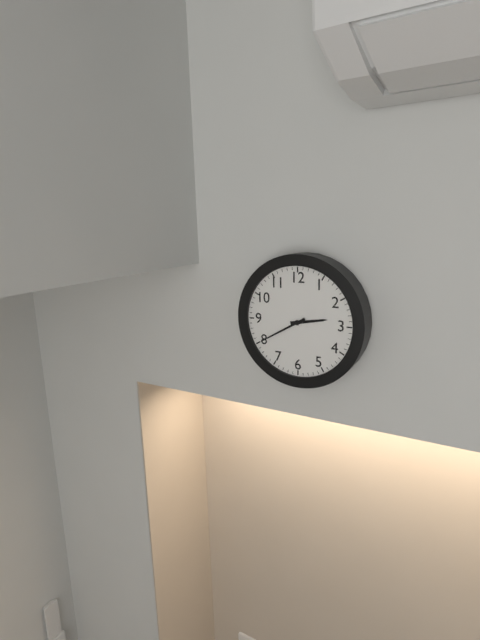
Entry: 2 h 40 min
